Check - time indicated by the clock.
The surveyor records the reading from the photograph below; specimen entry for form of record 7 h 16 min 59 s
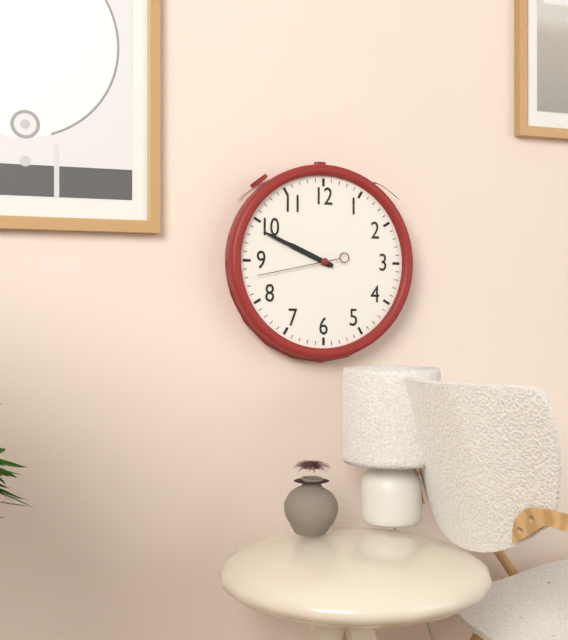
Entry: 9 h 49 min 43 s
